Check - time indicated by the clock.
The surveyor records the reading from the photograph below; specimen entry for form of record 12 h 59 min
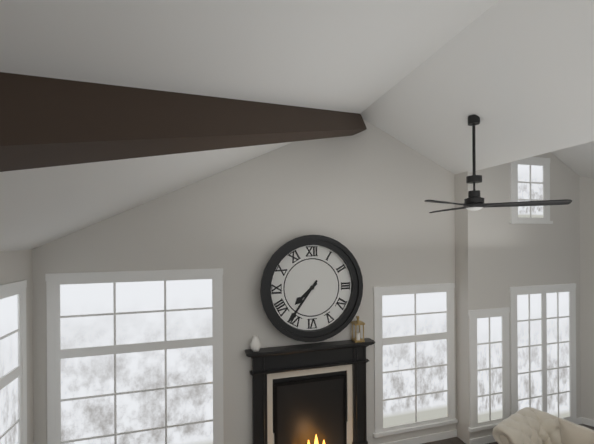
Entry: 7 h 36 min
